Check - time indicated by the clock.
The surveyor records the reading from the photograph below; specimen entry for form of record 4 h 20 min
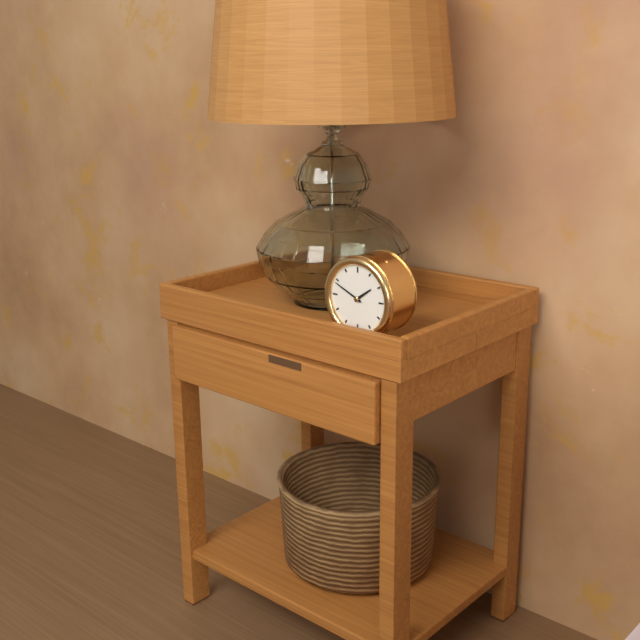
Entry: 1 h 49 min
